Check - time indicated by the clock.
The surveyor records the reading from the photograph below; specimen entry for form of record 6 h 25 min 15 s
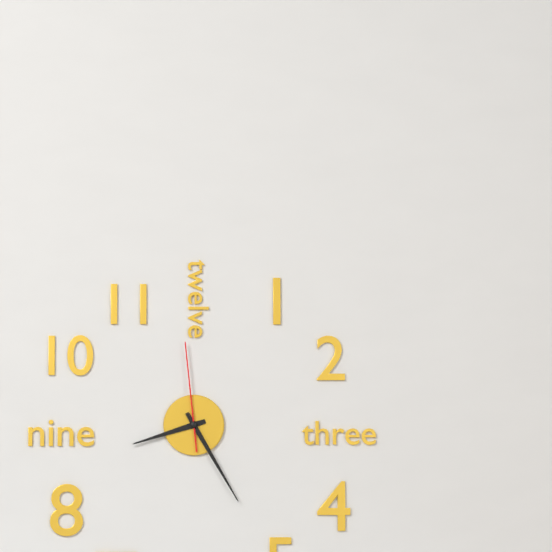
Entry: 8 h 25 min 59 s
